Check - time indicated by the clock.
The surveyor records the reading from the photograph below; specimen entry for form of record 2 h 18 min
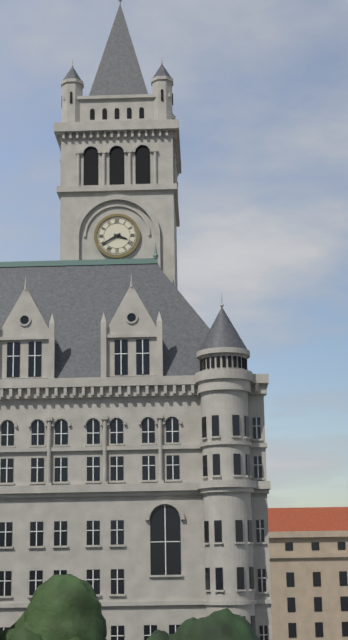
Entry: 3 h 40 min
